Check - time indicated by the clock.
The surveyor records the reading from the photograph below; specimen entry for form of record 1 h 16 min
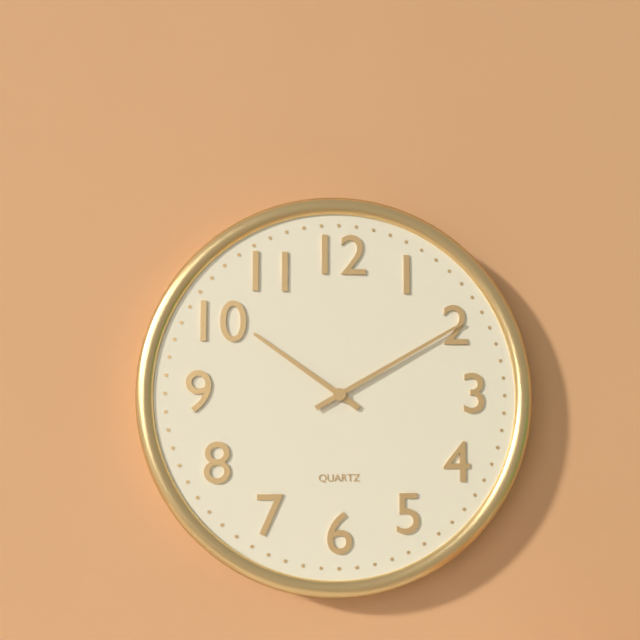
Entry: 10 h 10 min
